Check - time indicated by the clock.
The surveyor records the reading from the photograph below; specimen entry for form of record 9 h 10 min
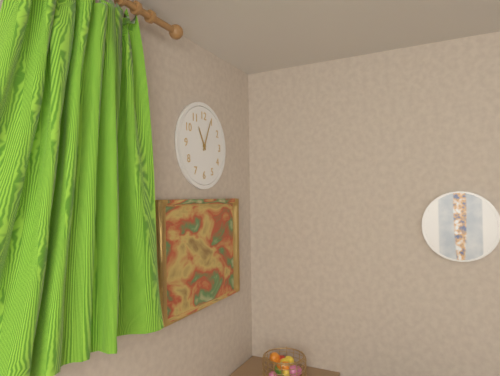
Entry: 11 h 04 min
